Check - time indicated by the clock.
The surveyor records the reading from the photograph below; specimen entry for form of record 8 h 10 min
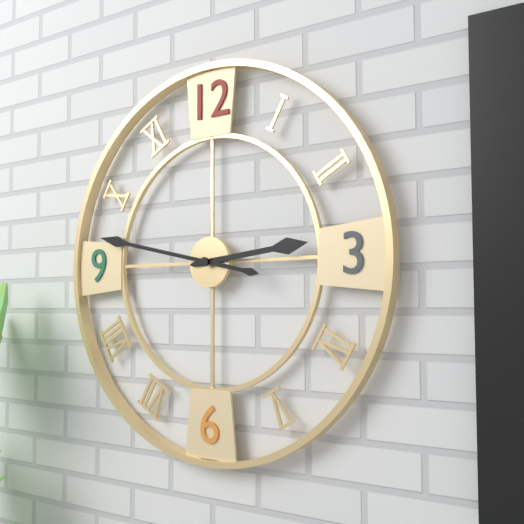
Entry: 2 h 47 min
